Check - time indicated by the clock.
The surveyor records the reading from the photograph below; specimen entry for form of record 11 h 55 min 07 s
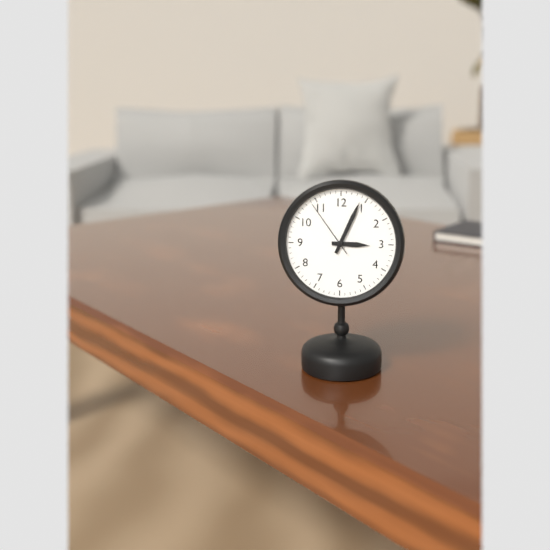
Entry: 3 h 04 min 54 s
